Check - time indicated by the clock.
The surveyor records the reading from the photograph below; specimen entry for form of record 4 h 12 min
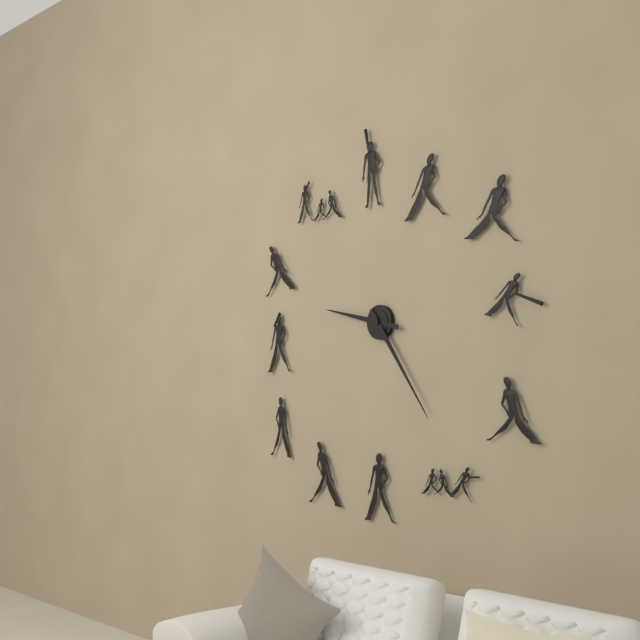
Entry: 9 h 24 min
